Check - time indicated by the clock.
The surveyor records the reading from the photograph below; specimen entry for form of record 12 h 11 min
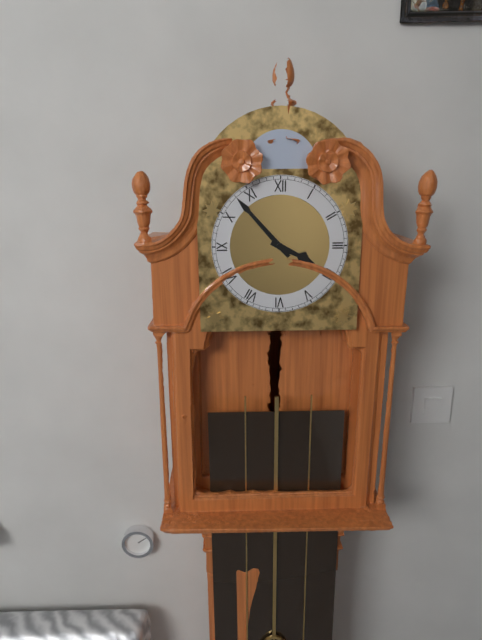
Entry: 3 h 53 min
